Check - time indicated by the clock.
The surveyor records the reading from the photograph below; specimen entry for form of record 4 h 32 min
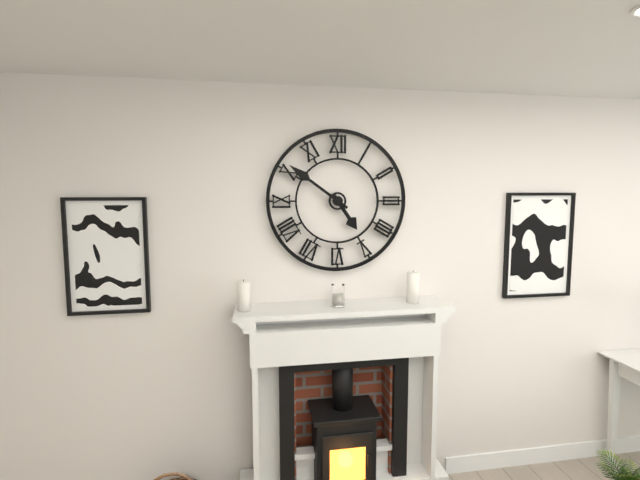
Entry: 4 h 51 min
